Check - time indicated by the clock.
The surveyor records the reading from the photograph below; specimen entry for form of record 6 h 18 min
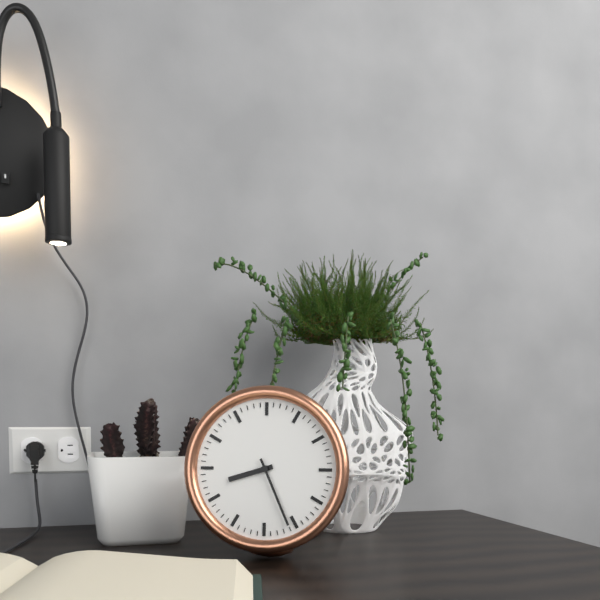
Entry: 8 h 26 min
